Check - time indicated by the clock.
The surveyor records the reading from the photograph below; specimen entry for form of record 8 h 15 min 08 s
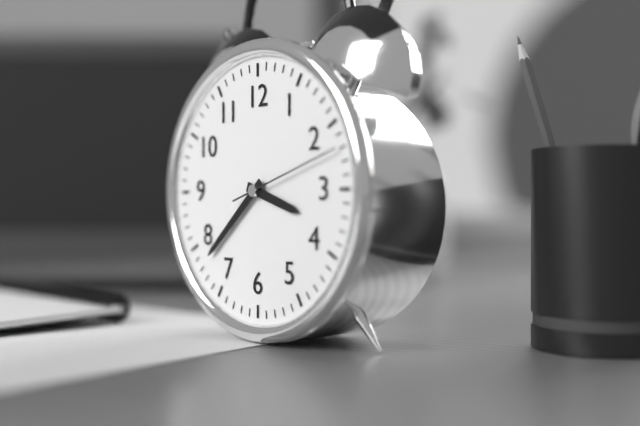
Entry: 3 h 38 min 12 s
